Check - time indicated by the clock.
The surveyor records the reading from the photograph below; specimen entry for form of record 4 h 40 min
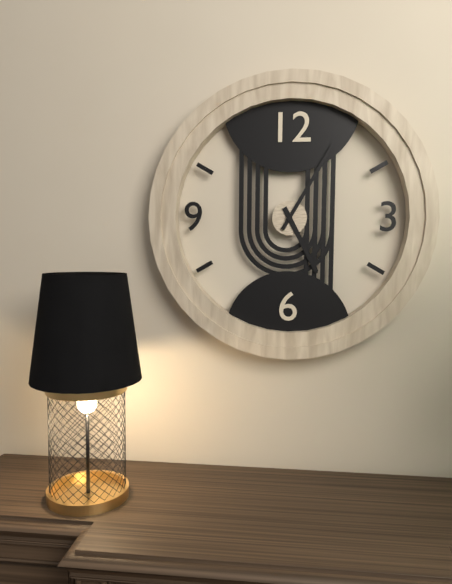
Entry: 5 h 05 min
